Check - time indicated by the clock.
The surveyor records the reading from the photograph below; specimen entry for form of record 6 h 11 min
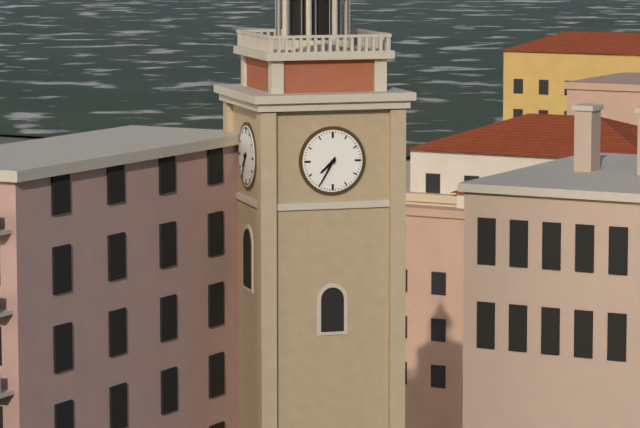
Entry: 7 h 35 min
